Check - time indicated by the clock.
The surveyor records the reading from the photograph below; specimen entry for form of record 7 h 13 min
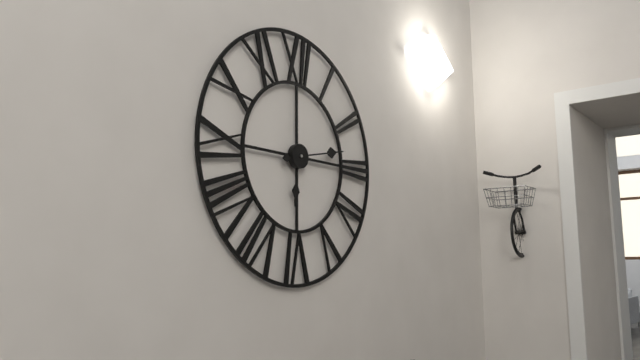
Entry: 6 h 13 min
